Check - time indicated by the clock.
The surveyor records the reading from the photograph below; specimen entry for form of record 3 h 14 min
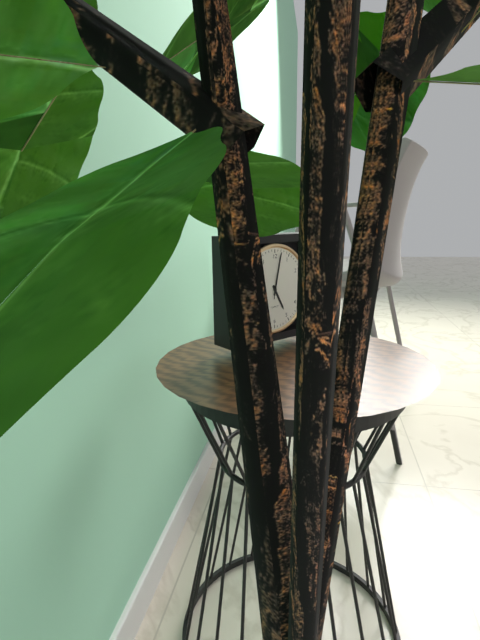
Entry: 5 h 02 min
